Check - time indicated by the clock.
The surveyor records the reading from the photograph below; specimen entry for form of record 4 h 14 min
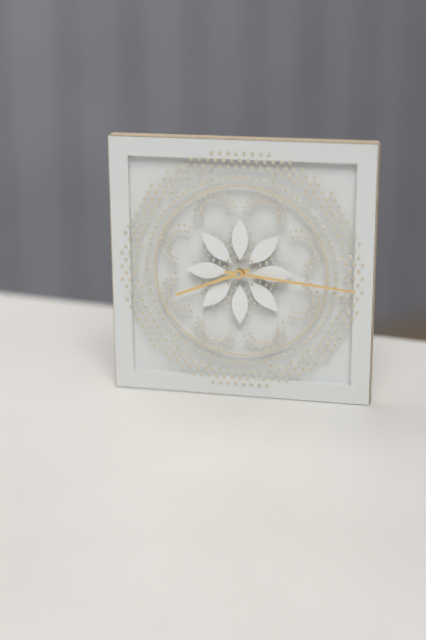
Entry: 8 h 16 min
